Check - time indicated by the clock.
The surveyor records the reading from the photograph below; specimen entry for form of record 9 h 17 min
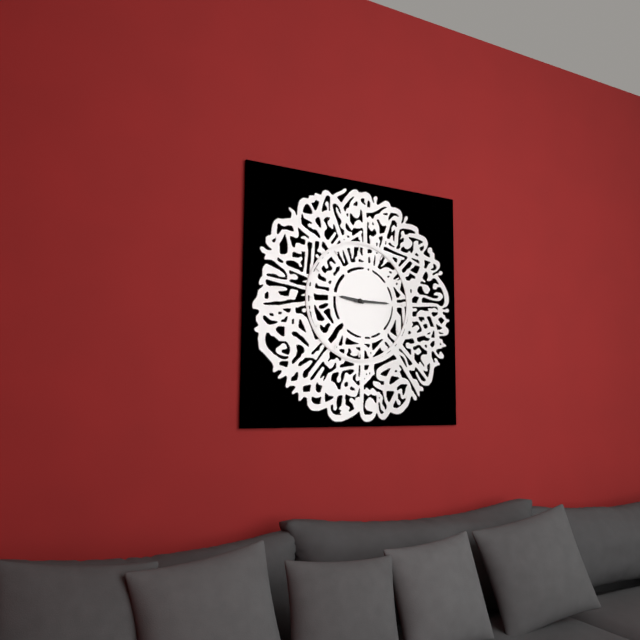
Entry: 9 h 15 min
